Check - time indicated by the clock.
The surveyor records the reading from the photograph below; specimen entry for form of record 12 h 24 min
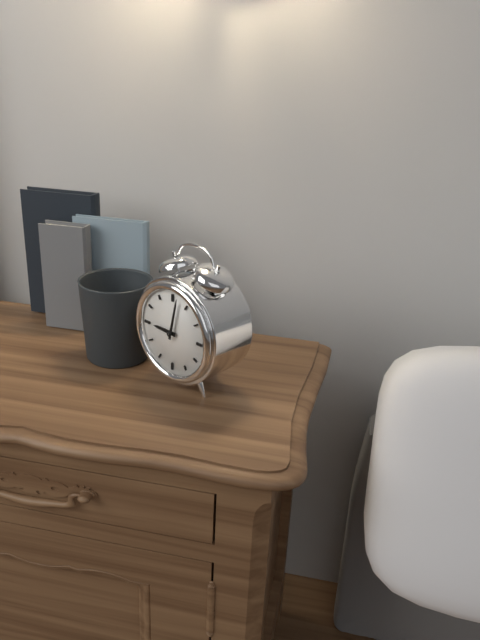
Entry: 9 h 02 min
